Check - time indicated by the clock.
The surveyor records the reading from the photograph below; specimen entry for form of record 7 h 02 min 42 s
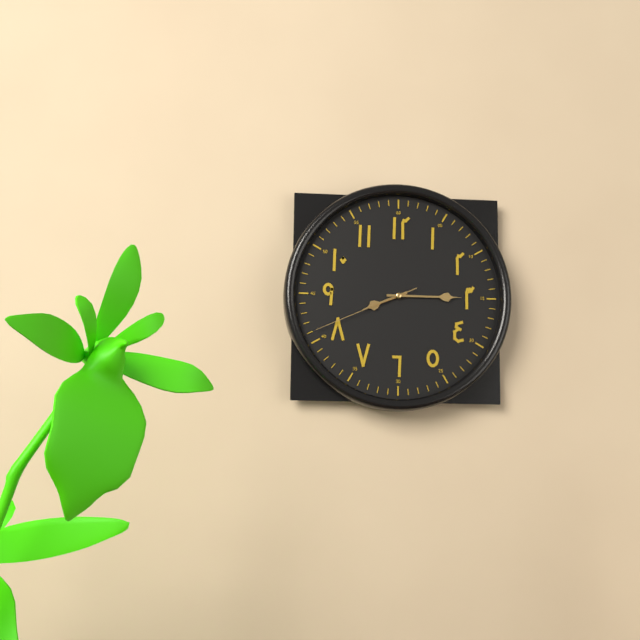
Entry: 8 h 15 min 41 s
